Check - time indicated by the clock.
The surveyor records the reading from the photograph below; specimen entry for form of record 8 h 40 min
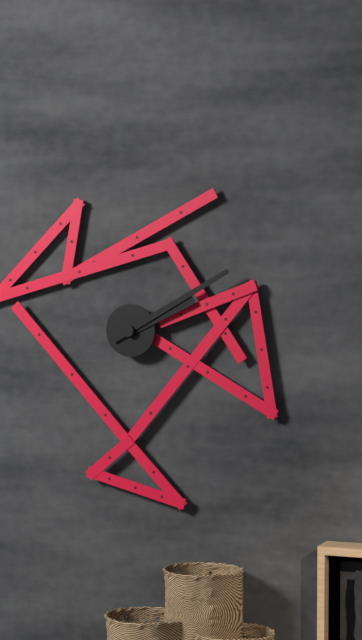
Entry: 2 h 10 min
